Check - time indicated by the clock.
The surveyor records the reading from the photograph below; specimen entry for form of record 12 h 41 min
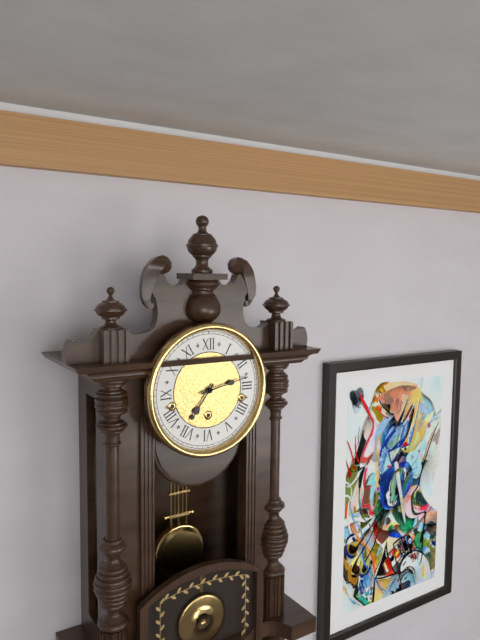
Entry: 7 h 13 min
